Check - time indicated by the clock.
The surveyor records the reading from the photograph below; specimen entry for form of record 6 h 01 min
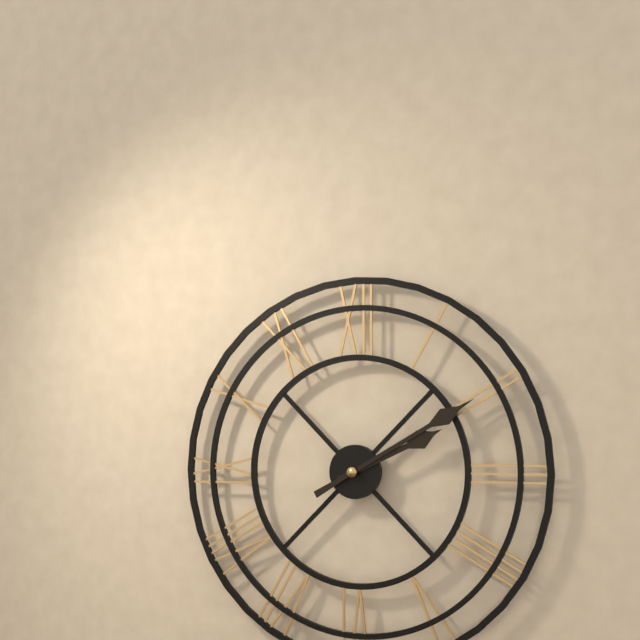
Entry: 2 h 10 min
